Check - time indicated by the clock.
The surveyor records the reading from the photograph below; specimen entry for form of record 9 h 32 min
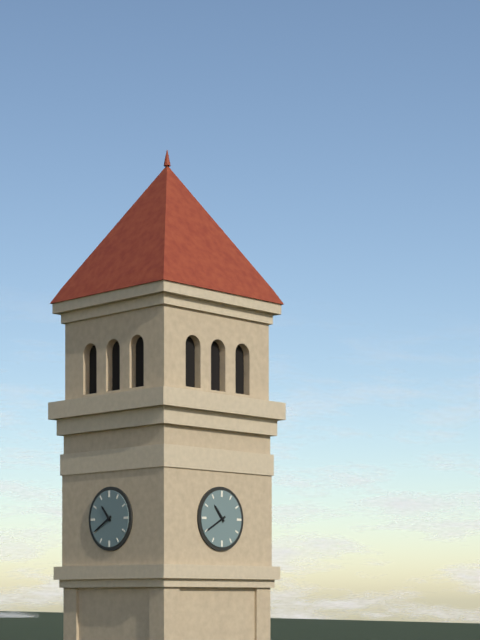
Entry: 10 h 40 min
